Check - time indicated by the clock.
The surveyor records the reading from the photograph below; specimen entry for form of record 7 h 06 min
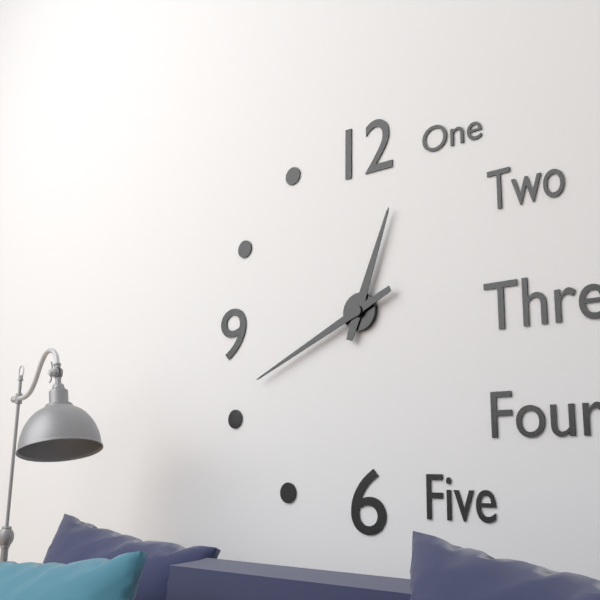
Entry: 12 h 41 min
